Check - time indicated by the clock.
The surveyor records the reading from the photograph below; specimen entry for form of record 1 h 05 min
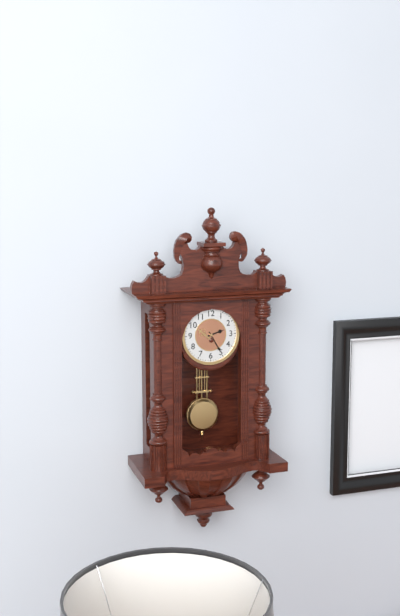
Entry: 2 h 25 min
